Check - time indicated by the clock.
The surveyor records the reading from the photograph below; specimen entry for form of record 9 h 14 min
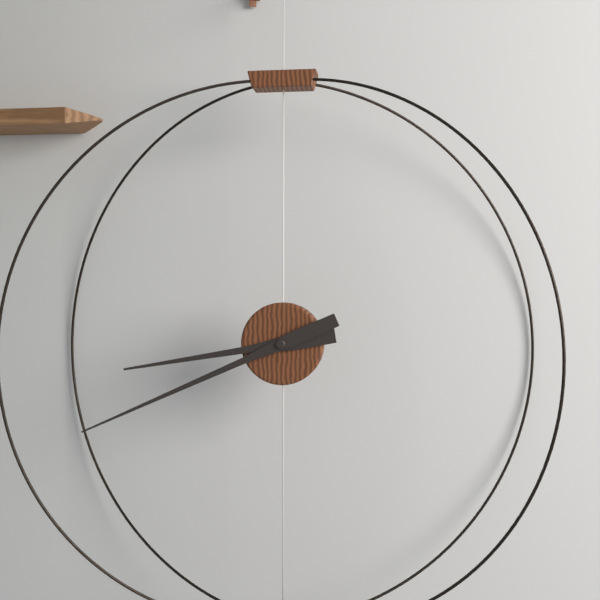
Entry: 8 h 41 min
